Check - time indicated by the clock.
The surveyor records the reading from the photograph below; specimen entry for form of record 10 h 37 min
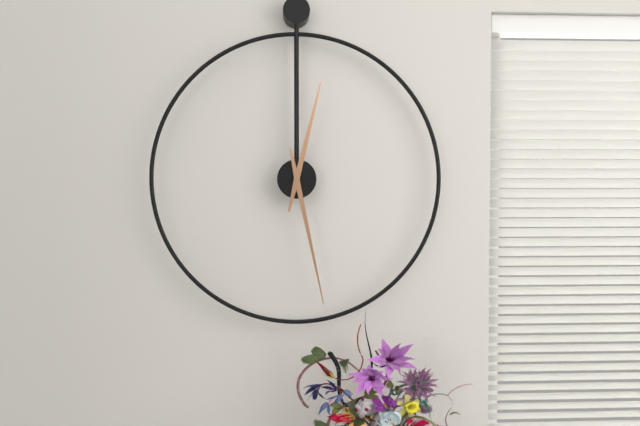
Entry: 12 h 28 min
